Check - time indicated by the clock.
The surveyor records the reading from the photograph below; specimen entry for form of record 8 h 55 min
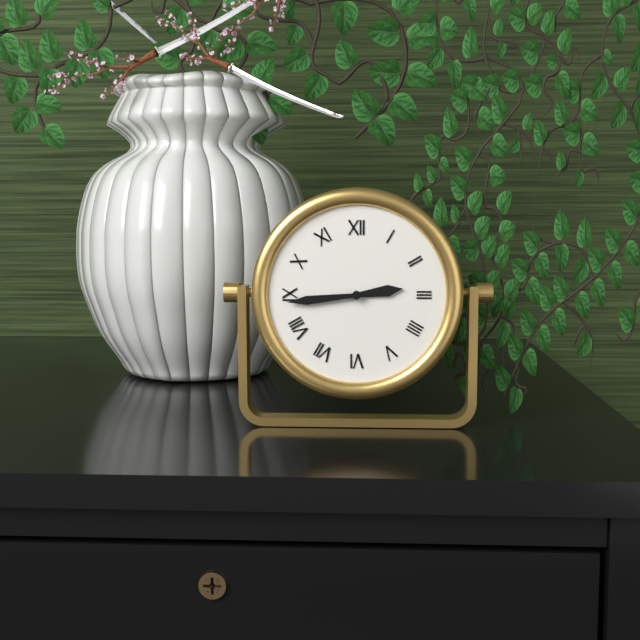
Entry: 2 h 44 min
